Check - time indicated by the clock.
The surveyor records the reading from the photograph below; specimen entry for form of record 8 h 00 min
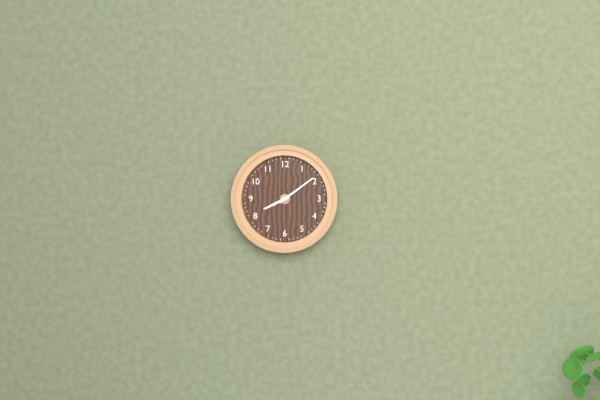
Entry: 8 h 09 min
